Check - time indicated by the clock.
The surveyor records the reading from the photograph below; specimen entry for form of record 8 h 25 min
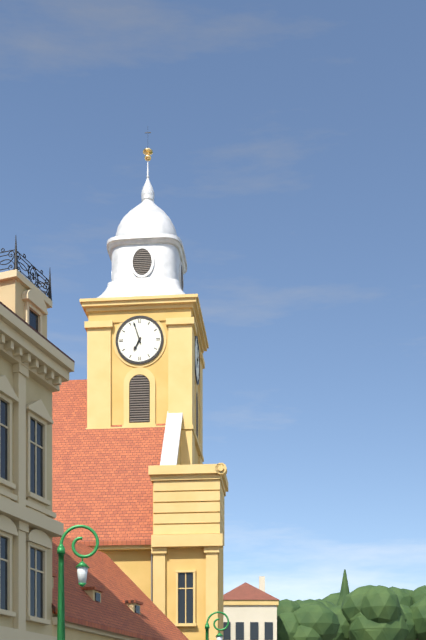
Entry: 6 h 57 min
